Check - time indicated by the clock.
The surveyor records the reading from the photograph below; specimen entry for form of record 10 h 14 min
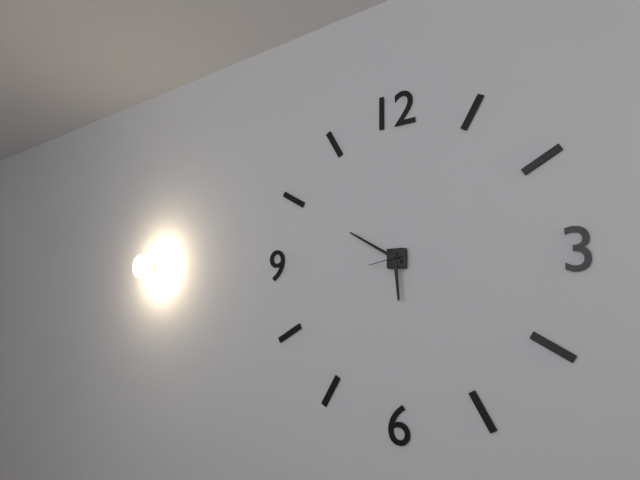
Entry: 5 h 50 min
